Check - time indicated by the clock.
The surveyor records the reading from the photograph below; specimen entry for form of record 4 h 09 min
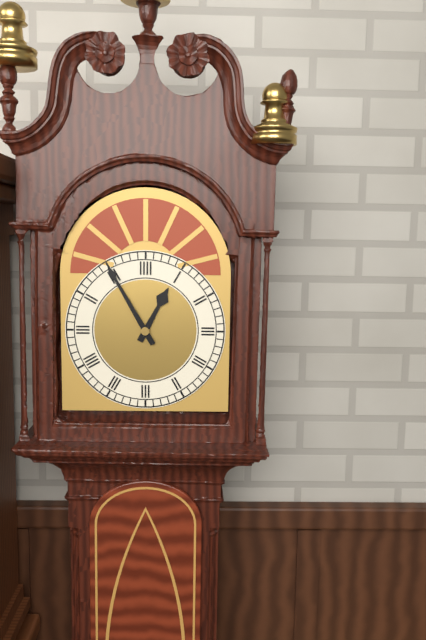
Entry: 12 h 55 min
